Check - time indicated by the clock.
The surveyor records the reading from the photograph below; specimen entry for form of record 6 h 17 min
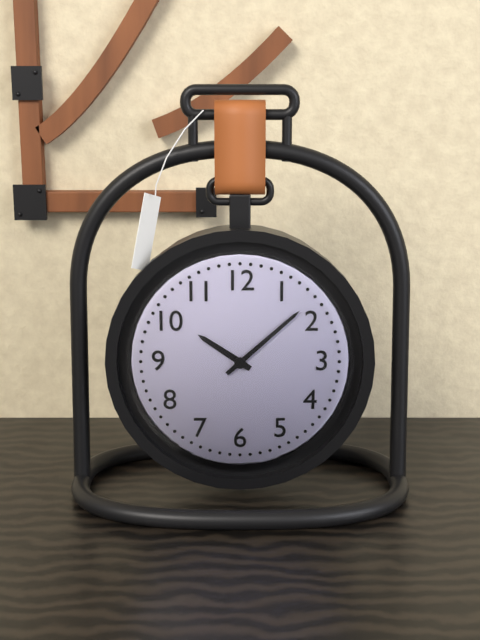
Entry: 10 h 08 min
